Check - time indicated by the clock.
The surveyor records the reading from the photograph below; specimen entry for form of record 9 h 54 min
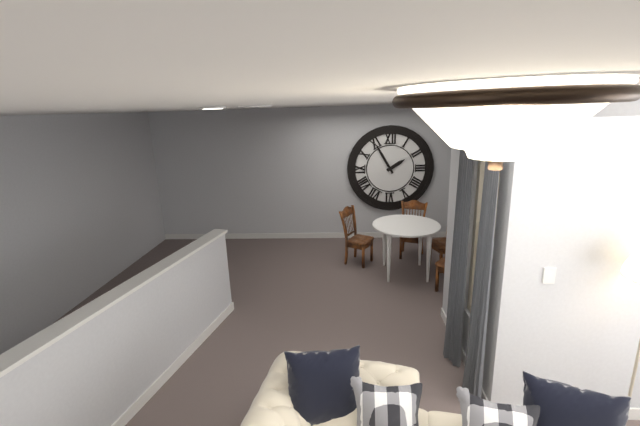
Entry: 1 h 55 min
